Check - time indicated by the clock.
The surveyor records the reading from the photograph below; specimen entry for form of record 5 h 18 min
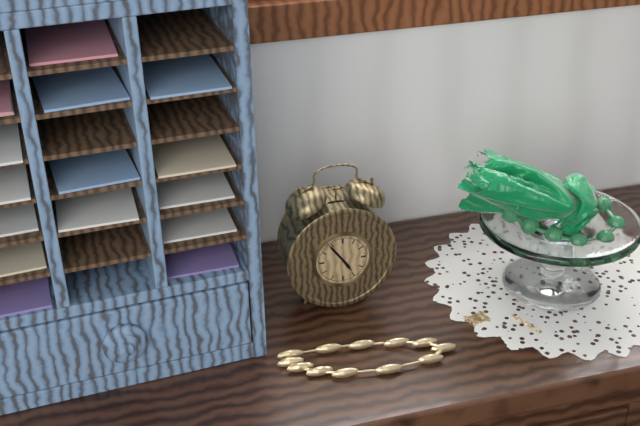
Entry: 4 h 54 min
